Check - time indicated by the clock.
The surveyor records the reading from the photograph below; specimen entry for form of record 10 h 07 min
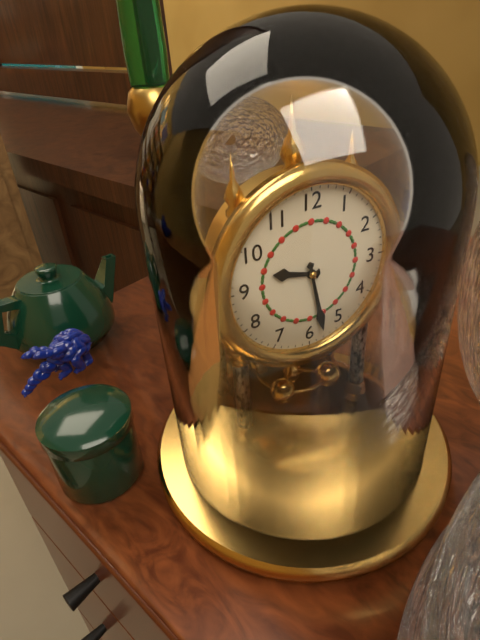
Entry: 9 h 28 min
